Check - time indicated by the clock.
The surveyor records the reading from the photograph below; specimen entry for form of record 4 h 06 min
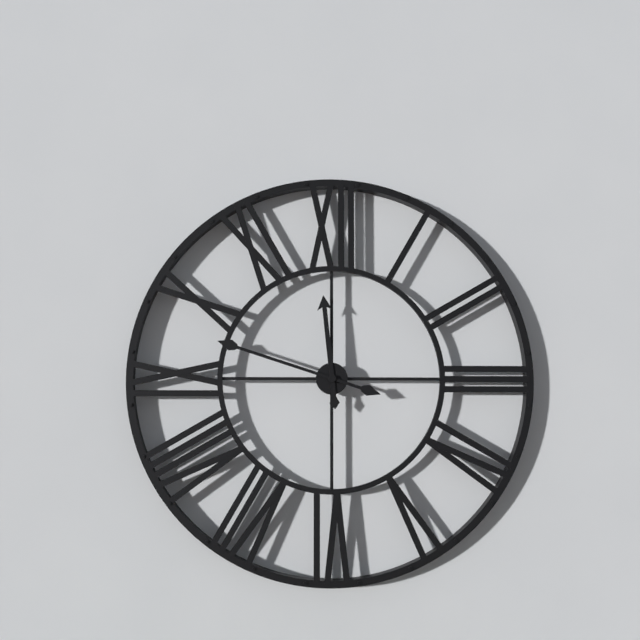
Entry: 11 h 48 min
